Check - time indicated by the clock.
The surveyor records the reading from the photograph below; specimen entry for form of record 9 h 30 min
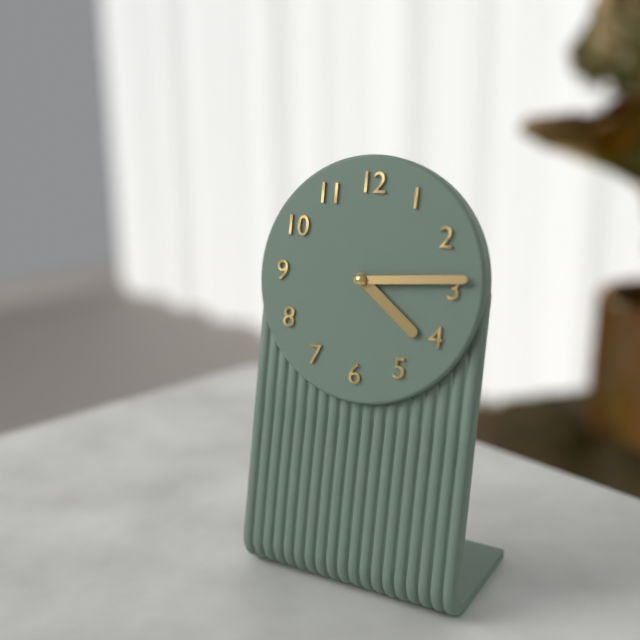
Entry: 4 h 14 min
